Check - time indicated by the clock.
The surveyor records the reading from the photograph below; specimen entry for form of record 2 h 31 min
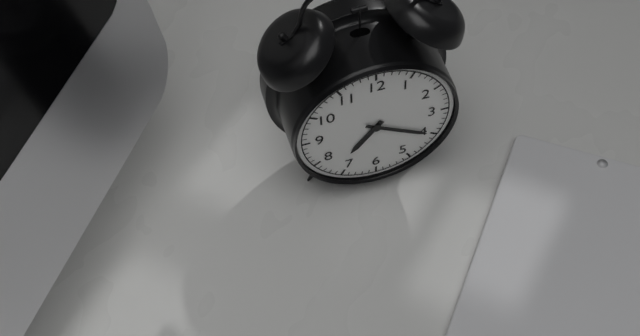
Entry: 7 h 20 min
